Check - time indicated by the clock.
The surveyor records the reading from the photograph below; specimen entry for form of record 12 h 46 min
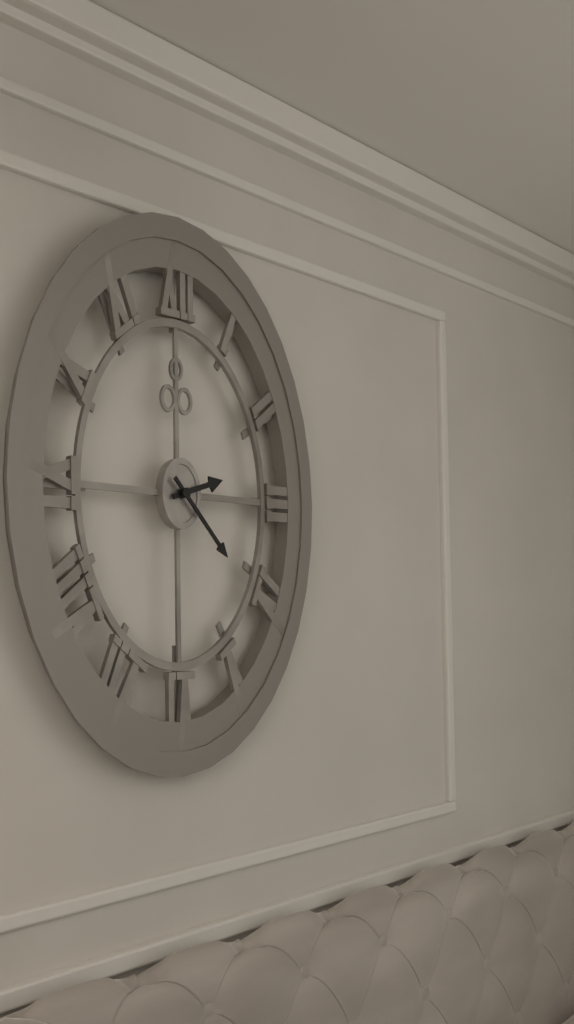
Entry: 2 h 23 min
